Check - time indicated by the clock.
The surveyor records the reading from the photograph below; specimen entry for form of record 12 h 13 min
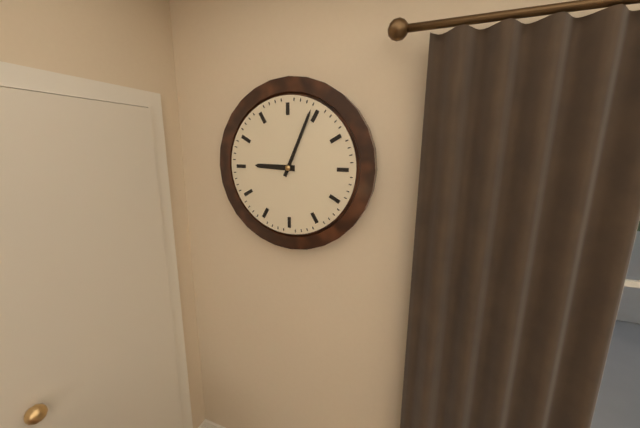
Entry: 9 h 04 min
